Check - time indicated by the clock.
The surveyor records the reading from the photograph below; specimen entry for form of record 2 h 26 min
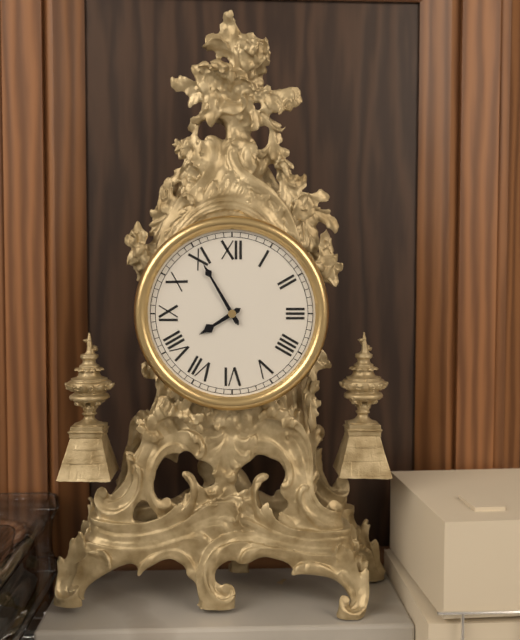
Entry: 7 h 55 min
